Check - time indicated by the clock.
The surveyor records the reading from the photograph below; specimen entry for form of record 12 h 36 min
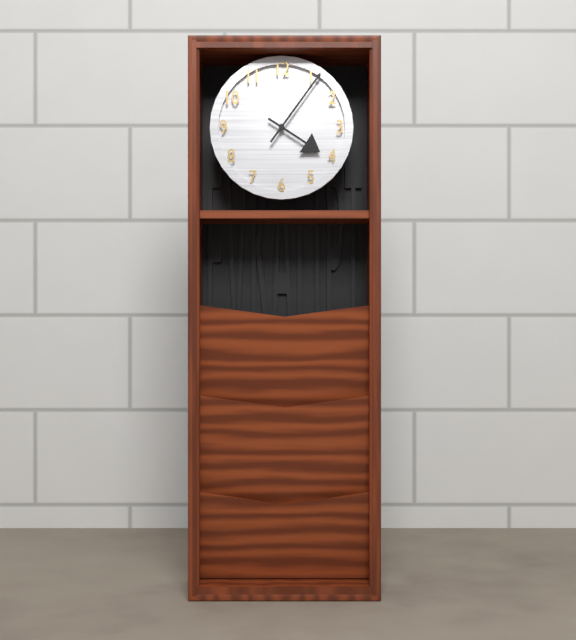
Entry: 4 h 06 min
